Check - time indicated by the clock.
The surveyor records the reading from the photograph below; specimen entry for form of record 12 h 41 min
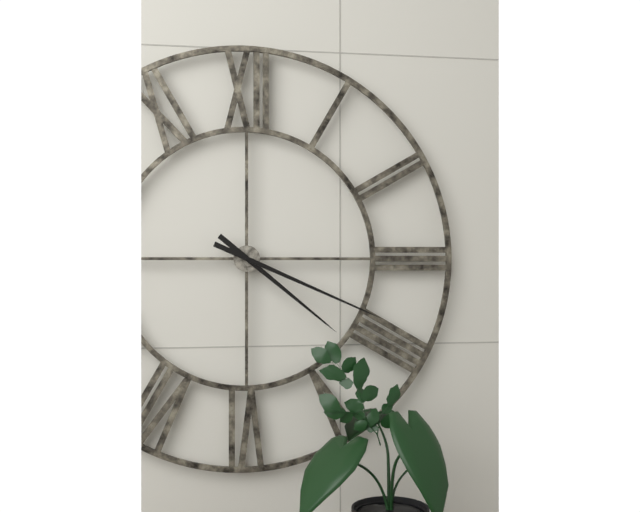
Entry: 4 h 19 min
